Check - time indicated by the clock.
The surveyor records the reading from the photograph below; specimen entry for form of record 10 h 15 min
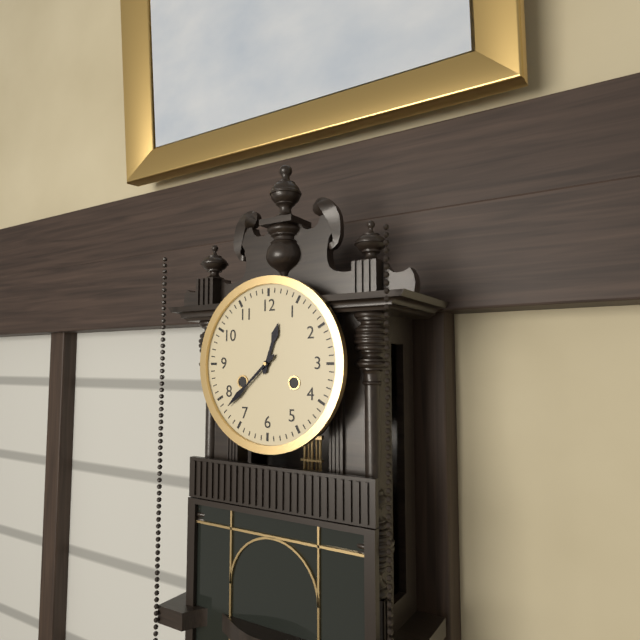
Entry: 12 h 38 min
